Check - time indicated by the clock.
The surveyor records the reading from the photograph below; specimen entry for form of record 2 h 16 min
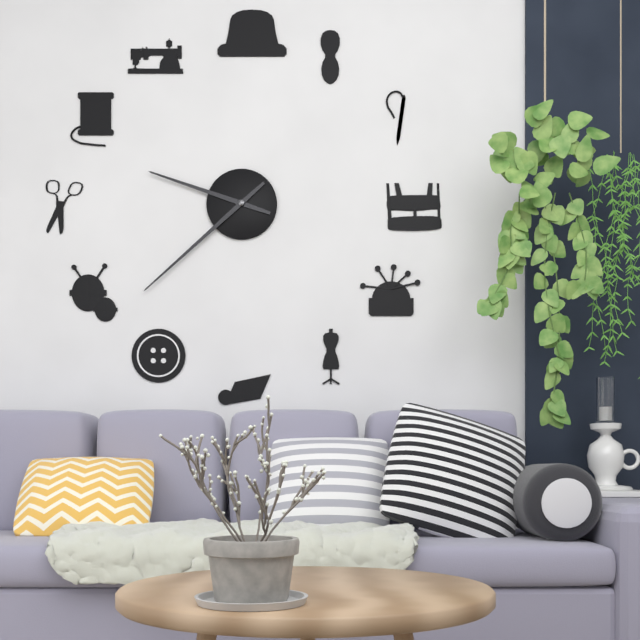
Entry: 9 h 38 min
